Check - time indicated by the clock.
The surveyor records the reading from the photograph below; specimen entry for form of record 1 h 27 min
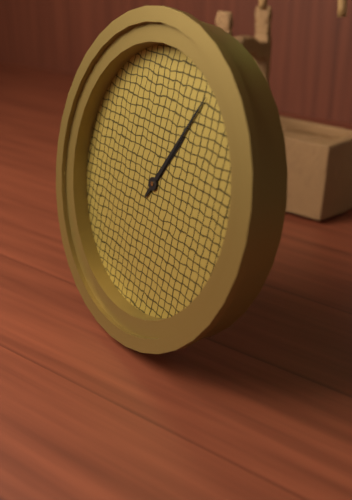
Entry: 1 h 05 min
